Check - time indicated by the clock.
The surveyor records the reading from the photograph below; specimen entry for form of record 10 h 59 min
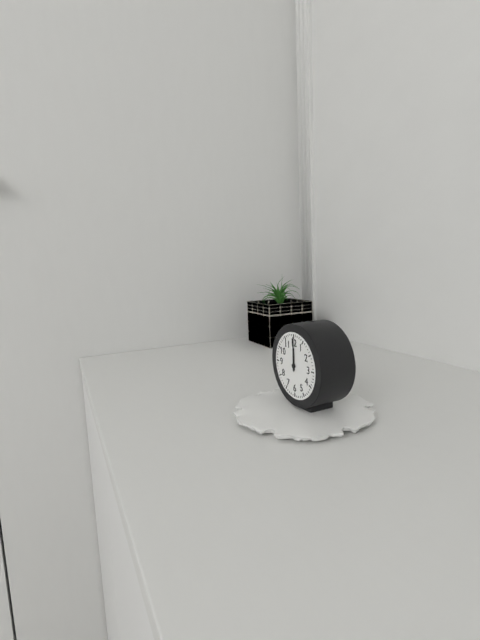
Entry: 12 h 00 min
